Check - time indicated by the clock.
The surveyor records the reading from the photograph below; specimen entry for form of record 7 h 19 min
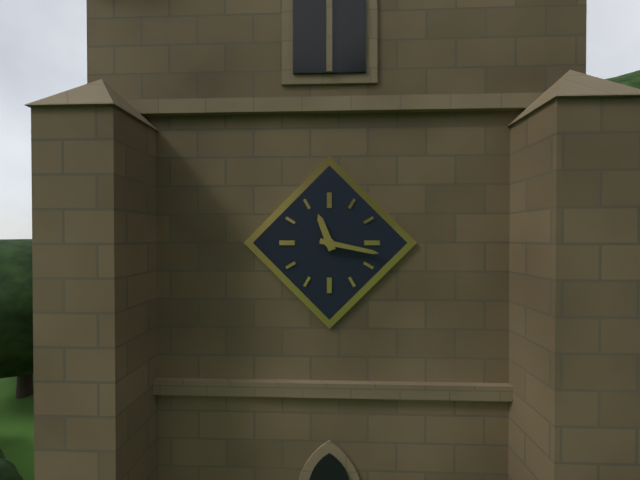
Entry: 11 h 17 min
